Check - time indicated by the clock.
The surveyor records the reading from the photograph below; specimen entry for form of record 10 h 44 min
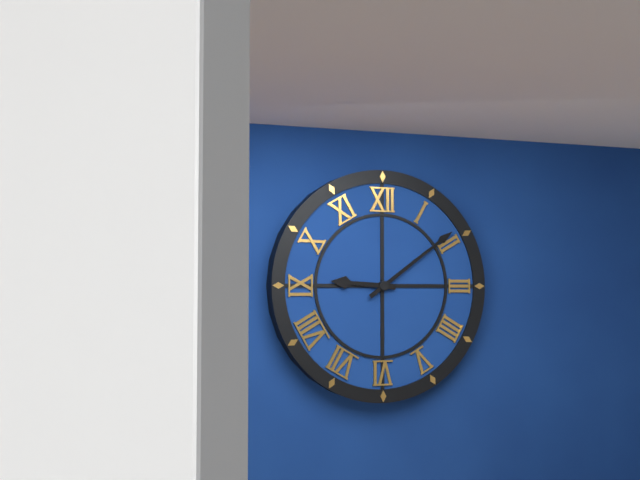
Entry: 9 h 09 min
